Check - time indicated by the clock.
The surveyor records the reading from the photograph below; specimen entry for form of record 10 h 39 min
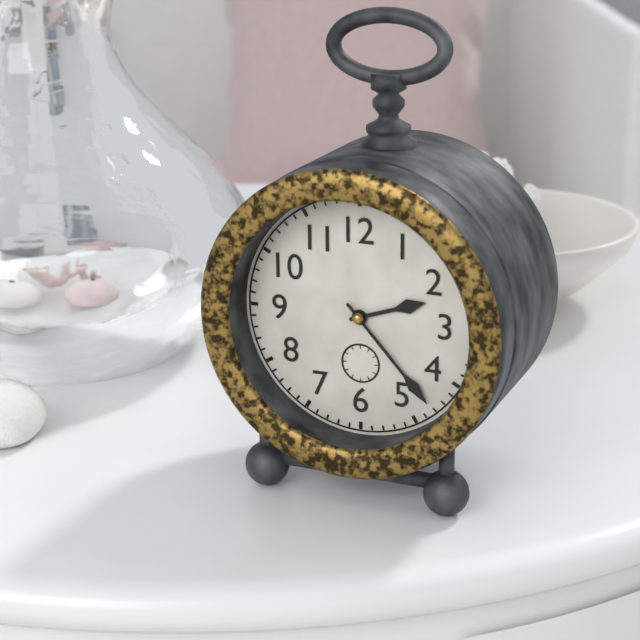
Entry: 2 h 23 min
